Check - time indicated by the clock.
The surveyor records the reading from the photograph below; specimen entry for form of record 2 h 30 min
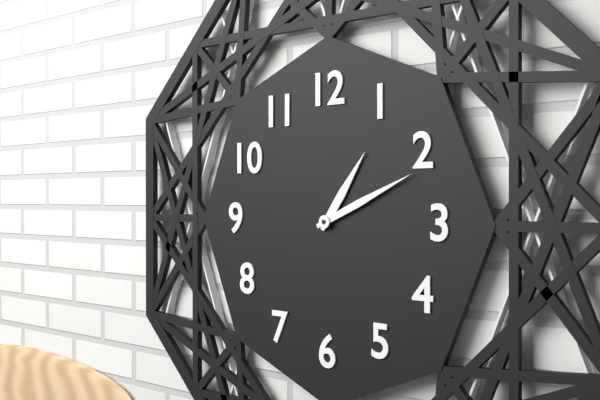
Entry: 1 h 11 min
